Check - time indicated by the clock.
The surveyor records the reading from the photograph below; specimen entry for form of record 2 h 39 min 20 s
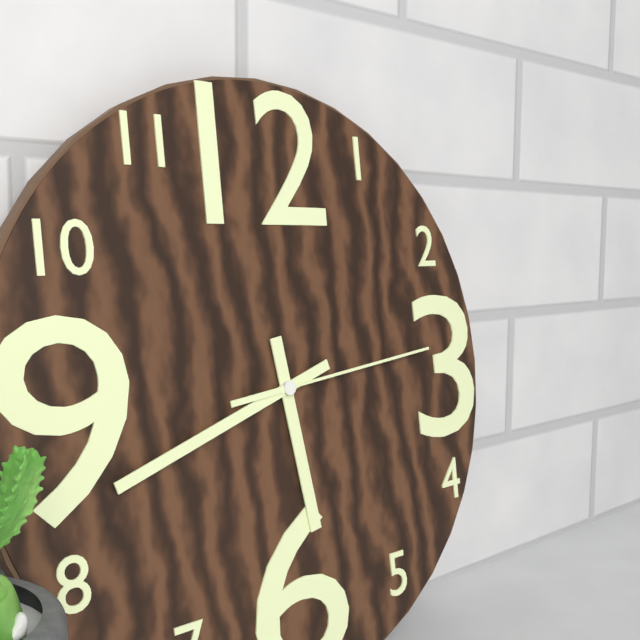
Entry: 5 h 42 min 14 s
